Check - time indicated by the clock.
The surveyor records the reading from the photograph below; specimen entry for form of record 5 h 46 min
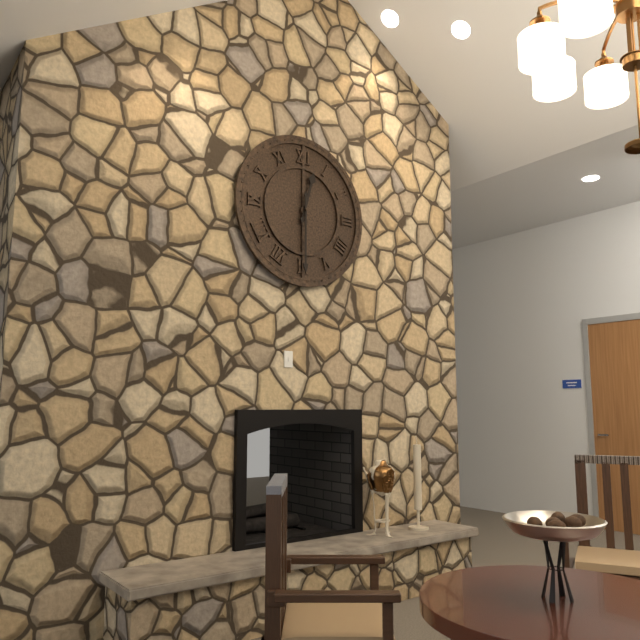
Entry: 12 h 30 min
